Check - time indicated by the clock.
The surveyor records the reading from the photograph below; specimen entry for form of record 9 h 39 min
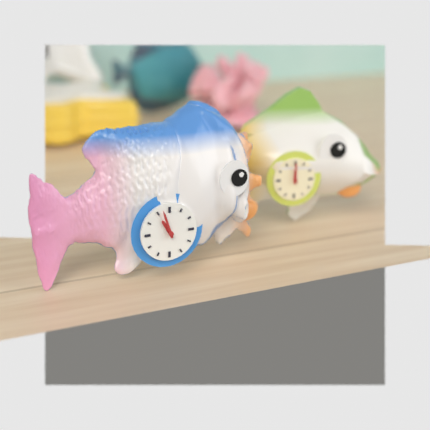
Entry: 10 h 57 min
